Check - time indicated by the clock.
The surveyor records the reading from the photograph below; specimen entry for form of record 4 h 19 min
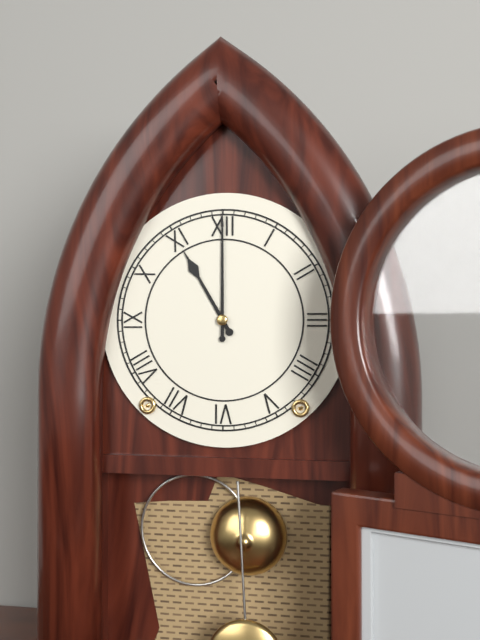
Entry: 11 h 00 min
